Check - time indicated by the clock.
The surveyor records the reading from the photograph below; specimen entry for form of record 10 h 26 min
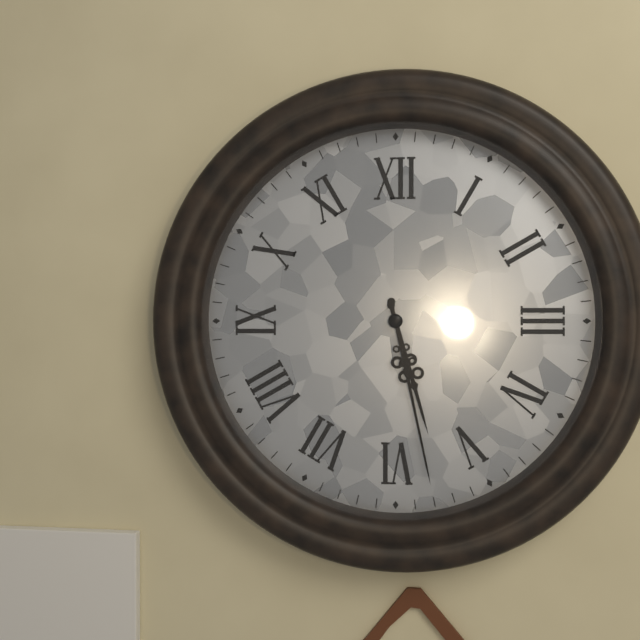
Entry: 5 h 28 min
